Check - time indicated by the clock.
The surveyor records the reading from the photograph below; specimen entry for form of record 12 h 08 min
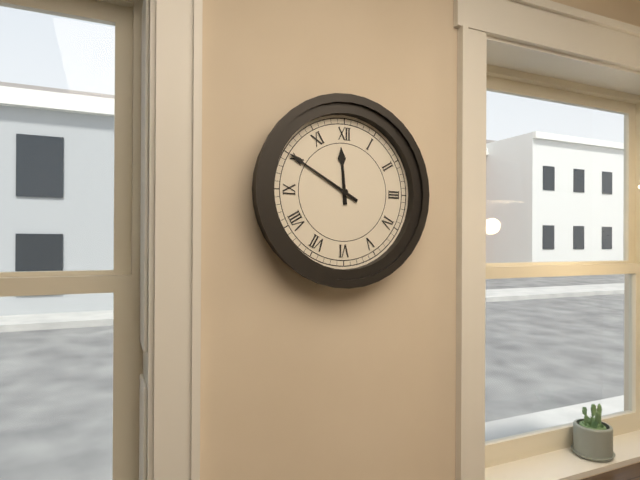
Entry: 11 h 50 min
